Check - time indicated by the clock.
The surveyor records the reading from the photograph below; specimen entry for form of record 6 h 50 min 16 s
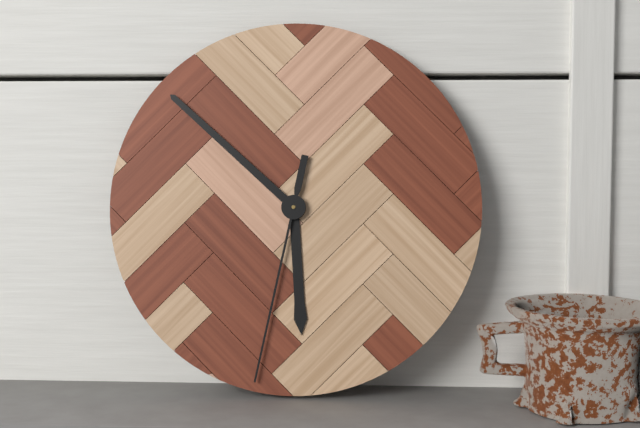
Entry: 5 h 52 min 32 s
